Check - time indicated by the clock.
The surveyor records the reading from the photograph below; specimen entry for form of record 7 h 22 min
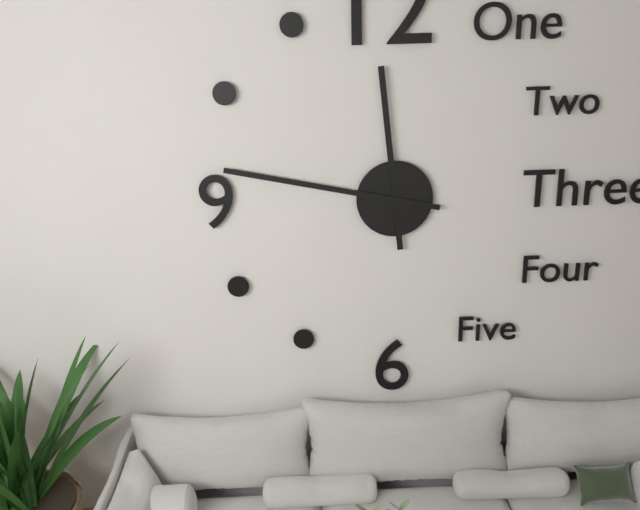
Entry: 11 h 47 min
